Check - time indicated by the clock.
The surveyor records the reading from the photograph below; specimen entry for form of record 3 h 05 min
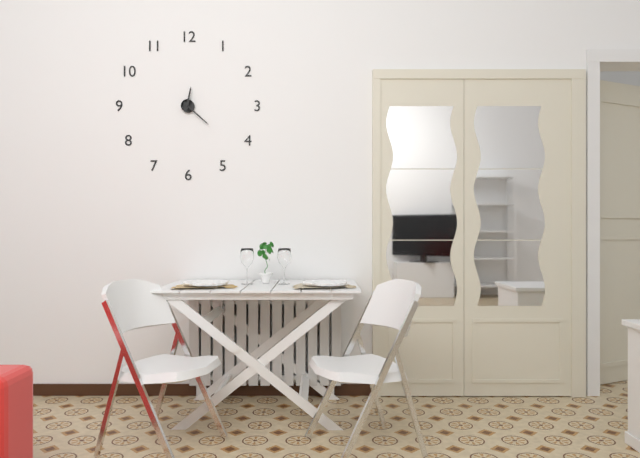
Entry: 12 h 22 min
